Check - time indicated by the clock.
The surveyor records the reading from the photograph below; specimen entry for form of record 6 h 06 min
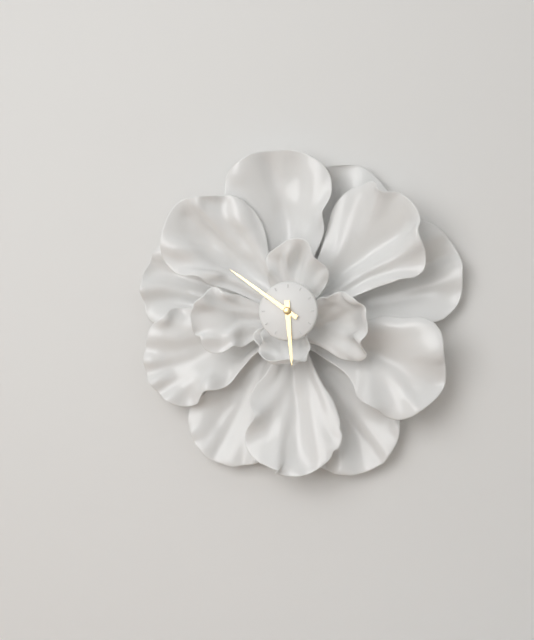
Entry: 5 h 51 min
